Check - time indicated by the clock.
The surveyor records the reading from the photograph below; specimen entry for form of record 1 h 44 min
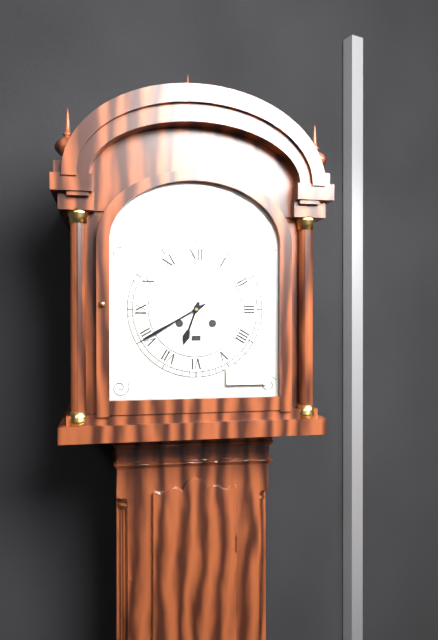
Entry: 6 h 40 min
